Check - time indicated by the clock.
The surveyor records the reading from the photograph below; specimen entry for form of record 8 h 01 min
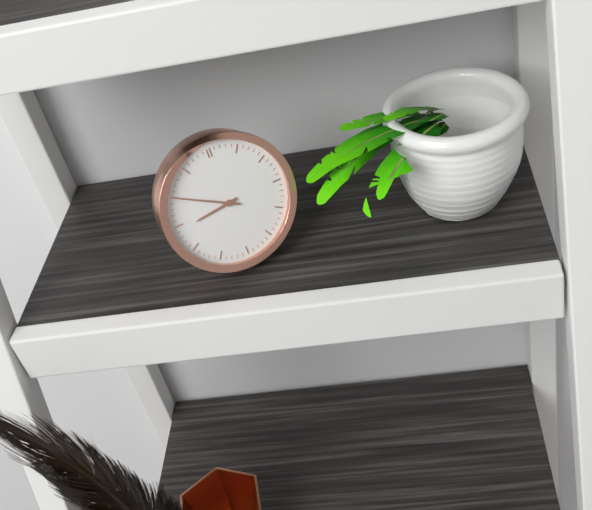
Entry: 8 h 50 min
